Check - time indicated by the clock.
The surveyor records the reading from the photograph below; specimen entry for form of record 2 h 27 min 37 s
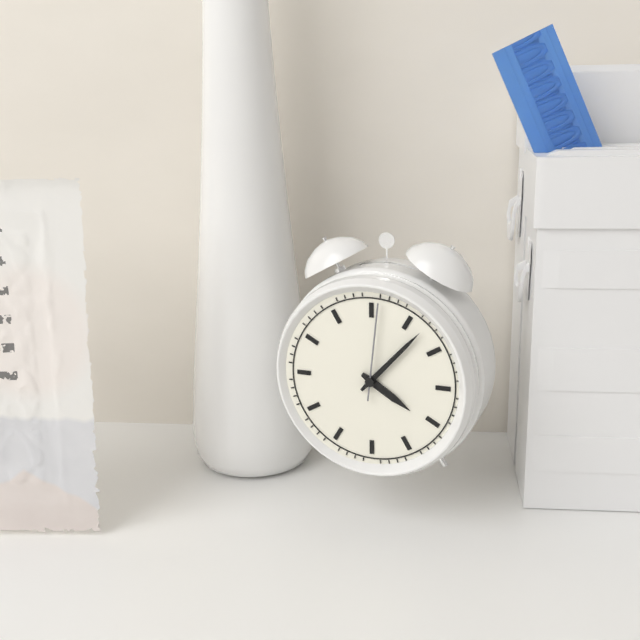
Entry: 4 h 07 min 01 s
